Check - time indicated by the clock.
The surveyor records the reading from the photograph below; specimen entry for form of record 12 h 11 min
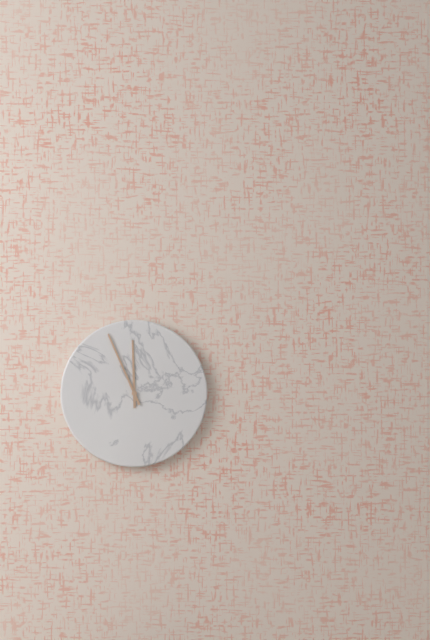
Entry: 11 h 56 min
